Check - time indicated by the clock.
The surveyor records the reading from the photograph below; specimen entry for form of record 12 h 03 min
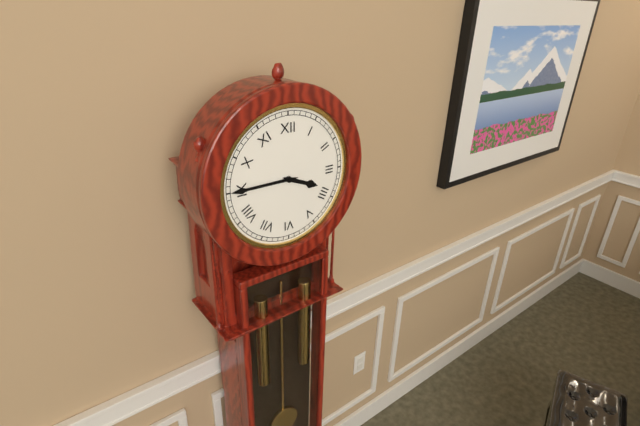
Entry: 3 h 45 min
